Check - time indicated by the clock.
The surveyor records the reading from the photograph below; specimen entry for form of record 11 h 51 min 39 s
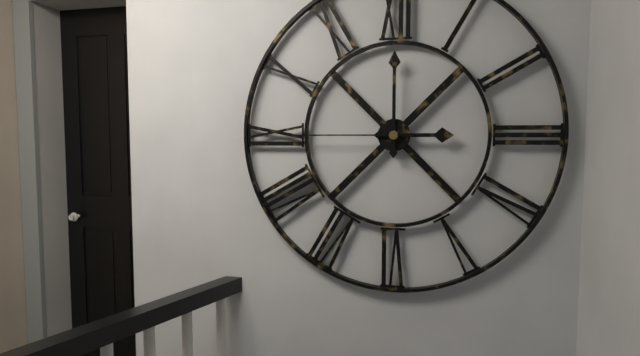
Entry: 3 h 00 min 45 s
